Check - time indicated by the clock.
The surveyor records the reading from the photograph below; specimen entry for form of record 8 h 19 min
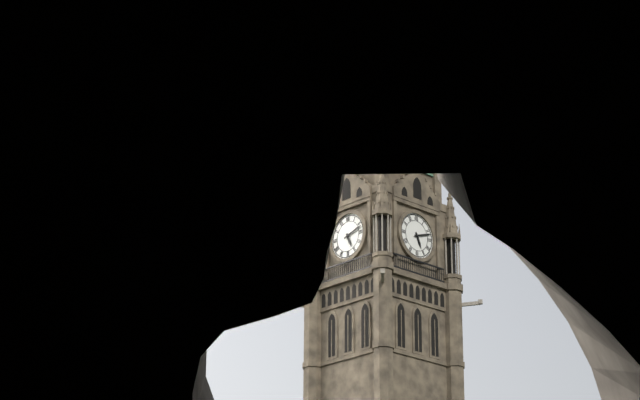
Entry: 5 h 12 min
